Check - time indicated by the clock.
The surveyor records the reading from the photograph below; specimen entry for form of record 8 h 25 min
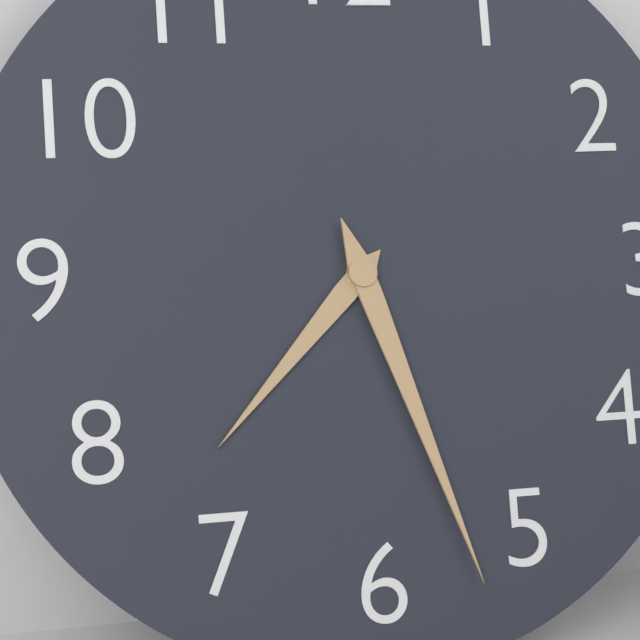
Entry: 7 h 27 min
